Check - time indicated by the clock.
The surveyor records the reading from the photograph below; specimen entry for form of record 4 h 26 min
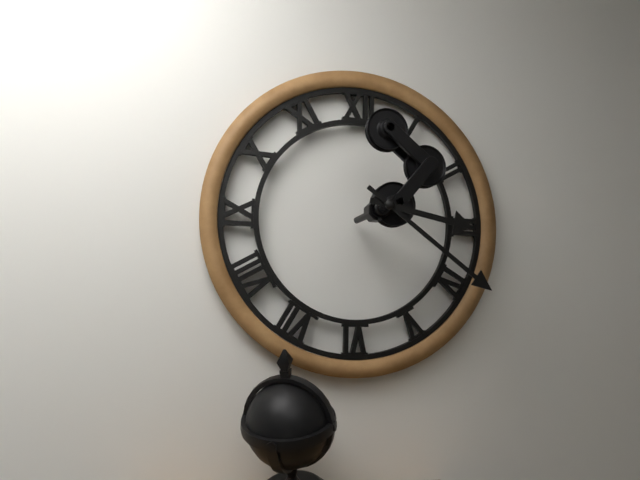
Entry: 3 h 21 min
